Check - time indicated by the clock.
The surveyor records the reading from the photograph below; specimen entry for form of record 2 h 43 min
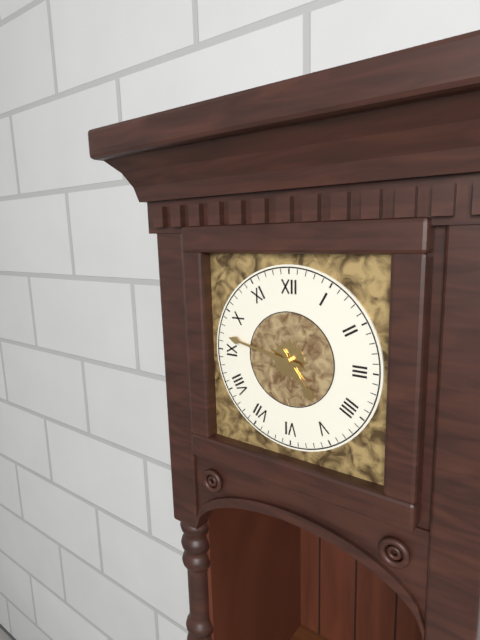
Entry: 4 h 47 min
